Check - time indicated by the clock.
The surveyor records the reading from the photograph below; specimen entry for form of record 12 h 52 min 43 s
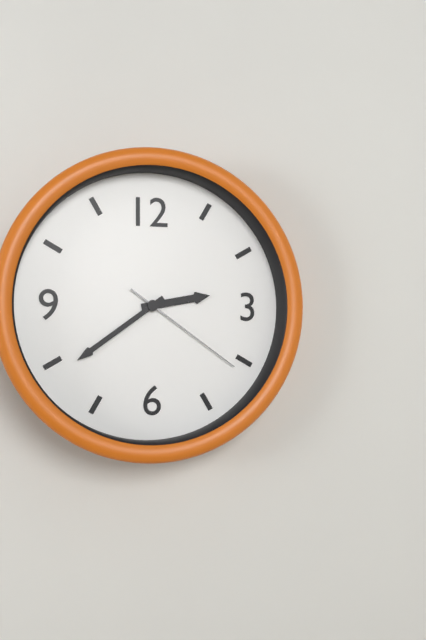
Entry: 2 h 39 min 21 s
